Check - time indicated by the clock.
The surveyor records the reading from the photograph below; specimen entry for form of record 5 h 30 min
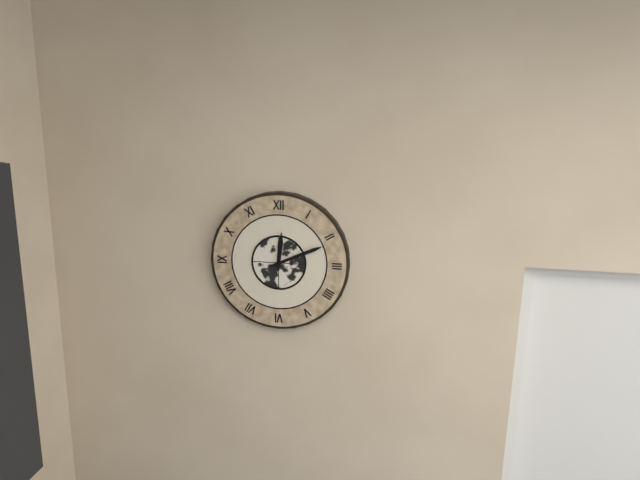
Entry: 12 h 11 min
